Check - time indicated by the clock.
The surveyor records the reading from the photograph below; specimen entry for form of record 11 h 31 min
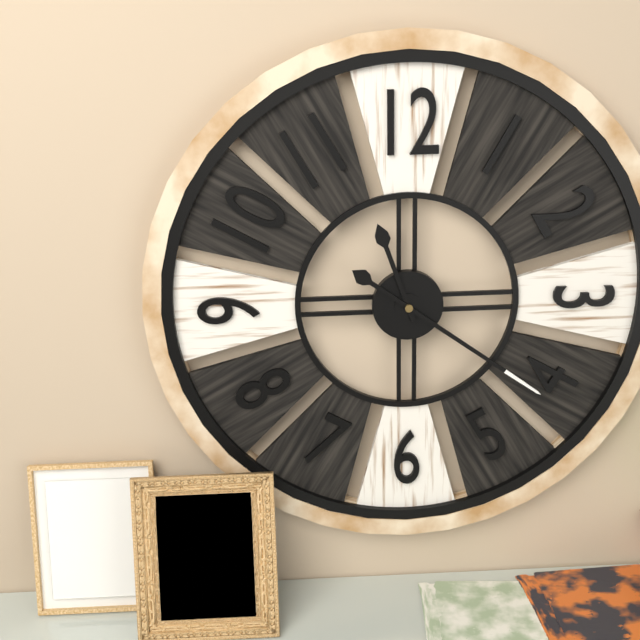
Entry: 11 h 21 min
